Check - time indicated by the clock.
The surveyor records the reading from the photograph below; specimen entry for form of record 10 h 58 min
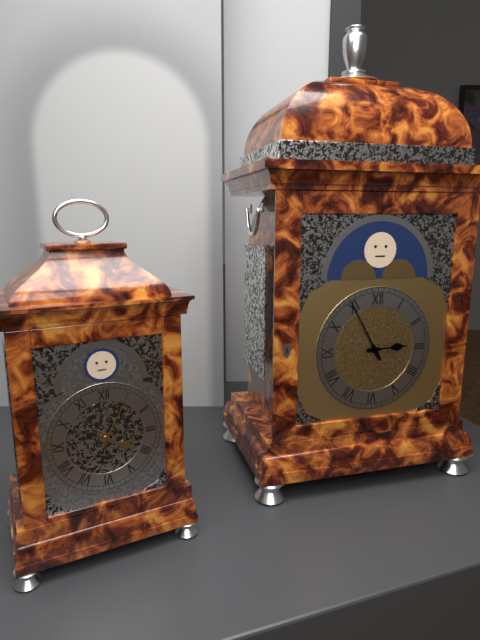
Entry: 2 h 55 min
